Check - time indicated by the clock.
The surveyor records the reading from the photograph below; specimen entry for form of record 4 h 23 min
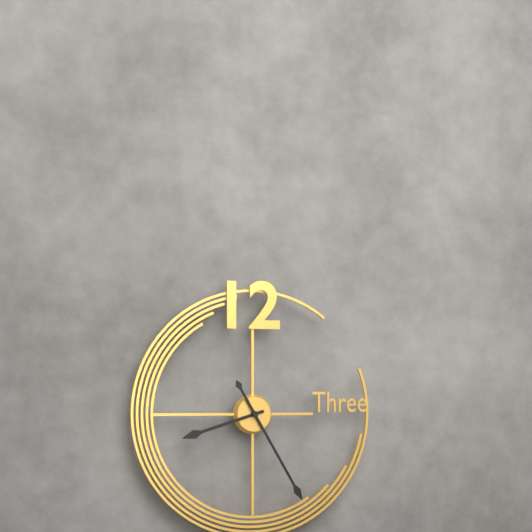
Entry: 8 h 25 min
